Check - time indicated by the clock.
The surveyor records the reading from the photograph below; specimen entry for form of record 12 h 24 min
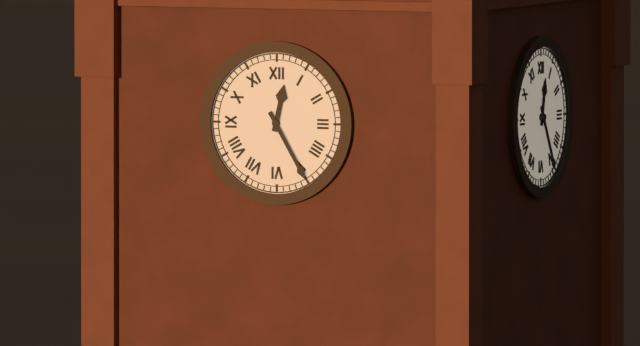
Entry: 12 h 25 min
